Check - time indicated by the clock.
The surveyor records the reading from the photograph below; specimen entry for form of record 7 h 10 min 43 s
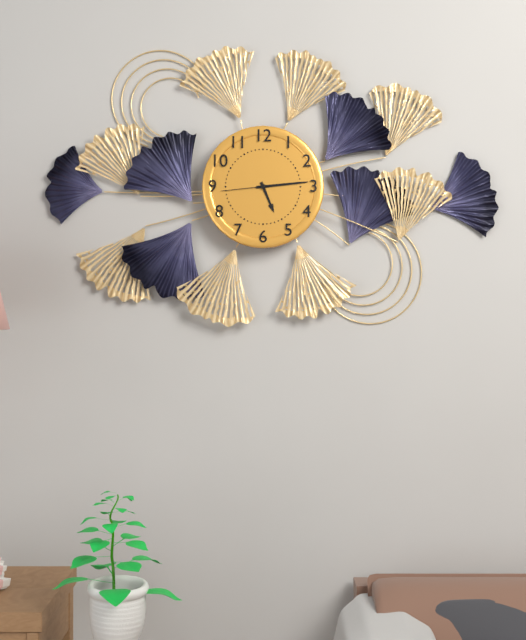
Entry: 5 h 14 min 44 s
